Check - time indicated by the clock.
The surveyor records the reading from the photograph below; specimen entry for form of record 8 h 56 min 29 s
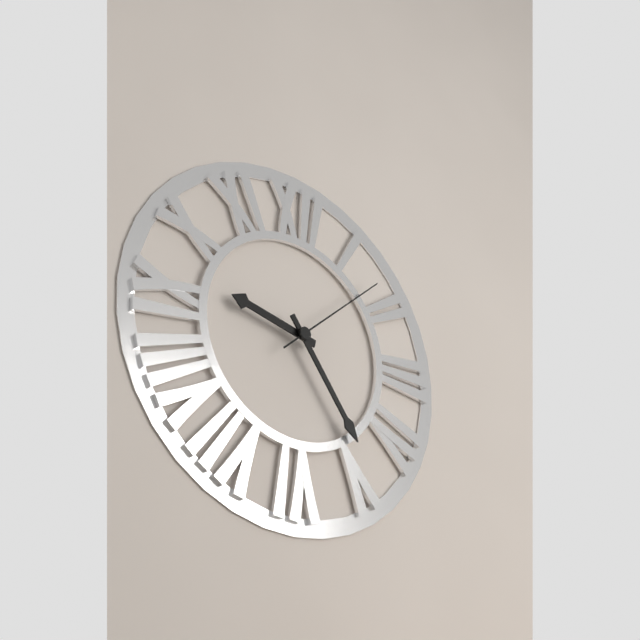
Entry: 9 h 24 min 08 s
